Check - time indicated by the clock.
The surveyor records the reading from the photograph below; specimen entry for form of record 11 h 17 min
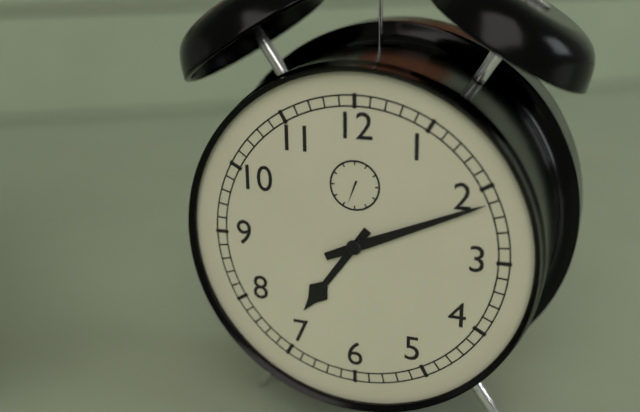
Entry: 7 h 11 min
